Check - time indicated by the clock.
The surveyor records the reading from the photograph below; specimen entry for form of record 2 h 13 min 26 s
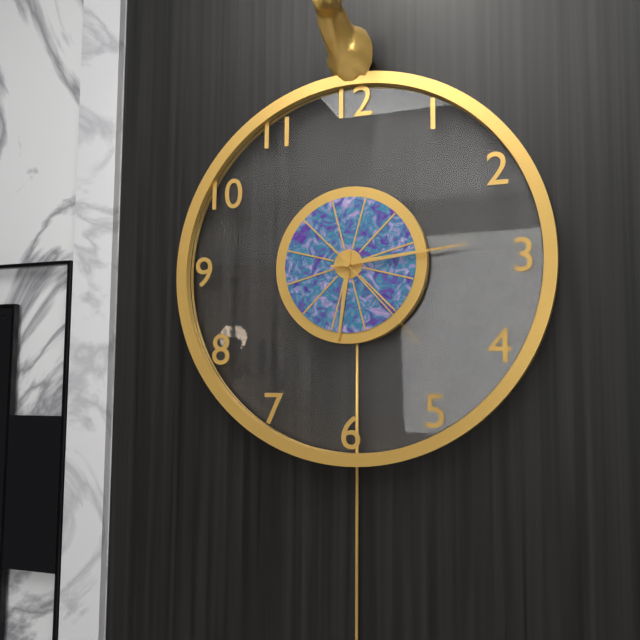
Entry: 6 h 14 min 23 s
